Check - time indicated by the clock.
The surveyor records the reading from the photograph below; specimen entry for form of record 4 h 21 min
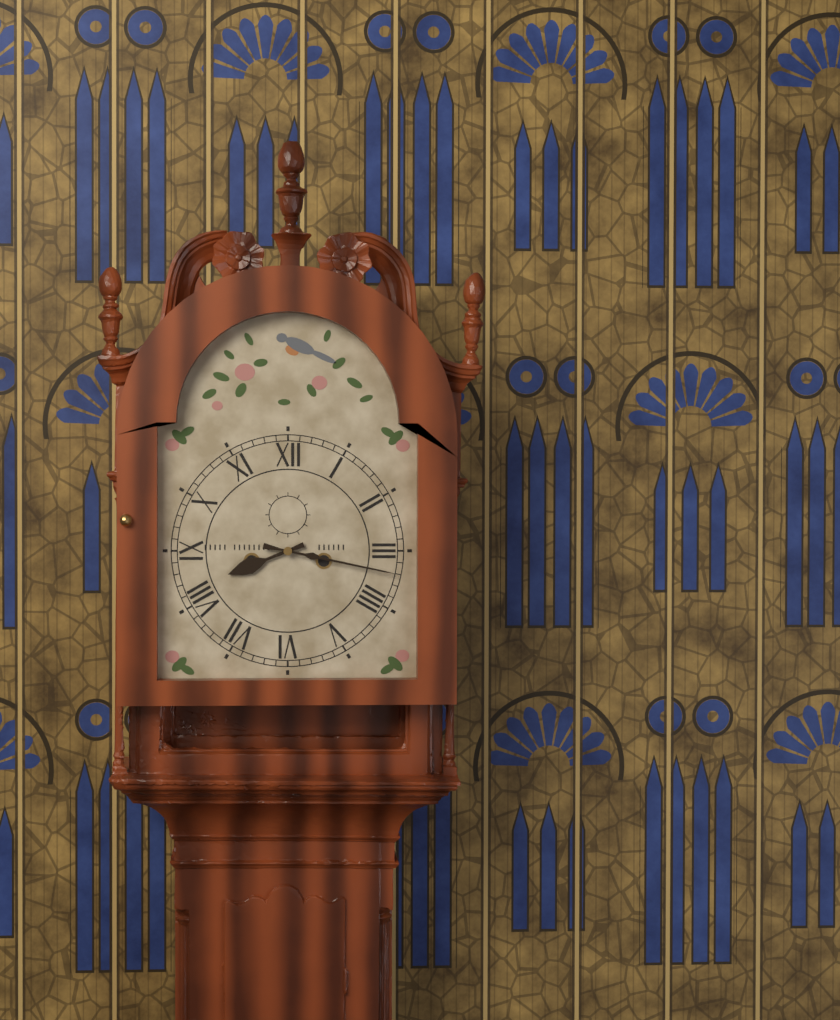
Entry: 8 h 17 min
